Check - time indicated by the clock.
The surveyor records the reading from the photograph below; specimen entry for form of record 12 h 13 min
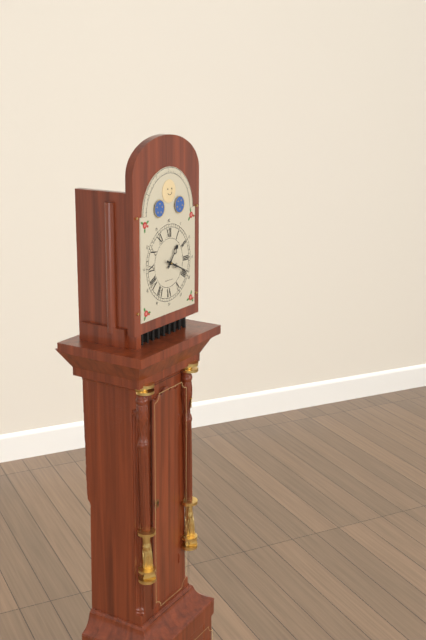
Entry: 1 h 19 min
